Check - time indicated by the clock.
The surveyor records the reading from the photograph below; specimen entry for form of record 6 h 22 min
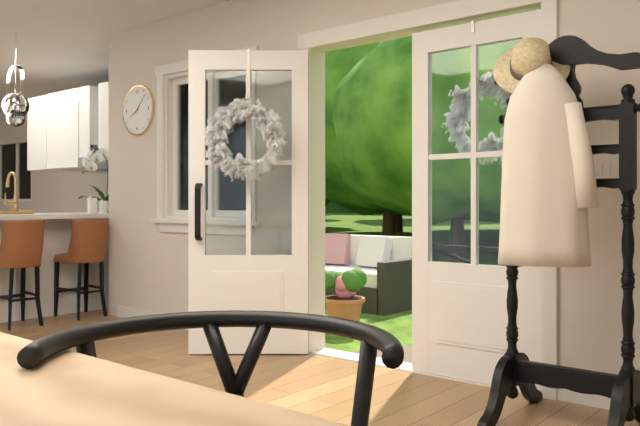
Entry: 8 h 07 min
